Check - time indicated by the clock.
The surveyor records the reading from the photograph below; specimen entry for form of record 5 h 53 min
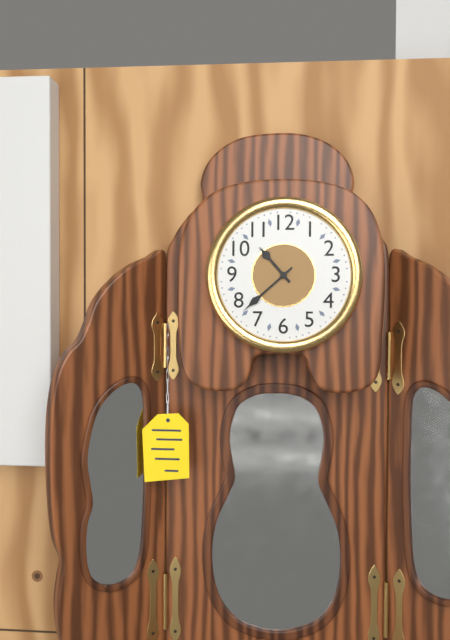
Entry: 10 h 38 min
